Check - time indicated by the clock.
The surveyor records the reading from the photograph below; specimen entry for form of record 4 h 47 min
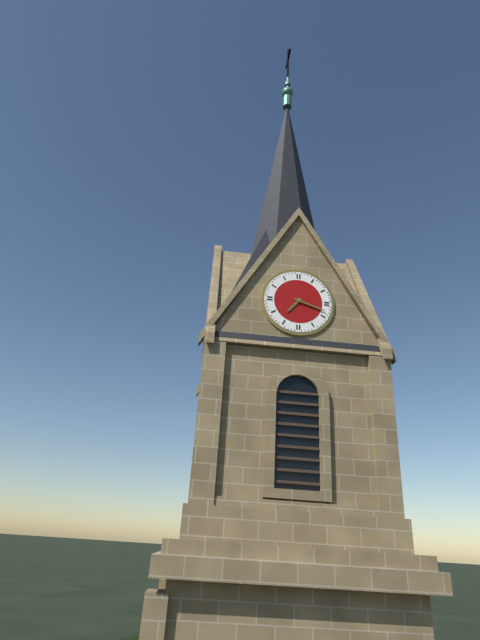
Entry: 7 h 18 min
